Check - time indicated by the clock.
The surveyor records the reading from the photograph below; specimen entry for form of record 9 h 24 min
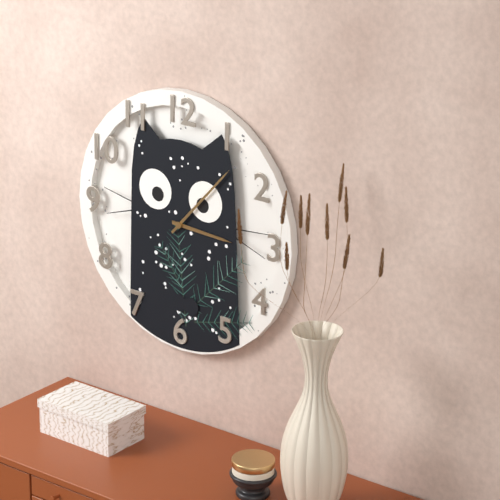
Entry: 3 h 07 min
